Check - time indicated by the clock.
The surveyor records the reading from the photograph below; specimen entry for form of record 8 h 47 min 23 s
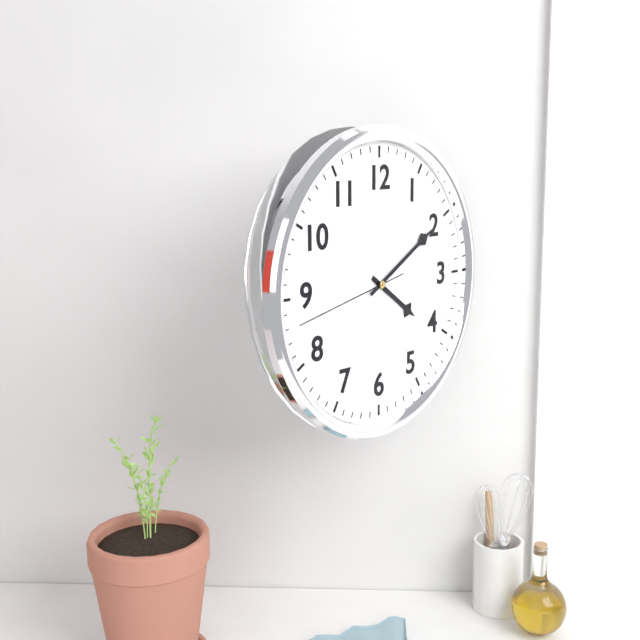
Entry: 4 h 10 min 43 s
